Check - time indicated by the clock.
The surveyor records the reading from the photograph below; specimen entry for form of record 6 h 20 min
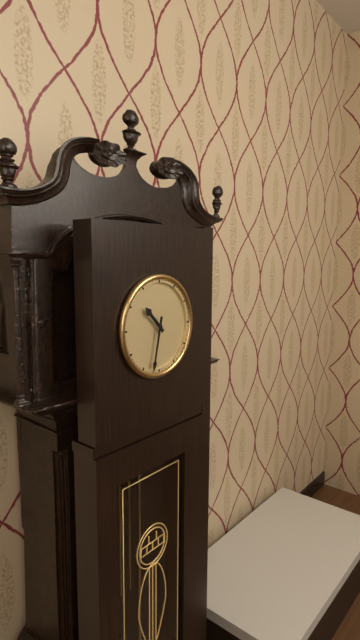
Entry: 10 h 32 min
